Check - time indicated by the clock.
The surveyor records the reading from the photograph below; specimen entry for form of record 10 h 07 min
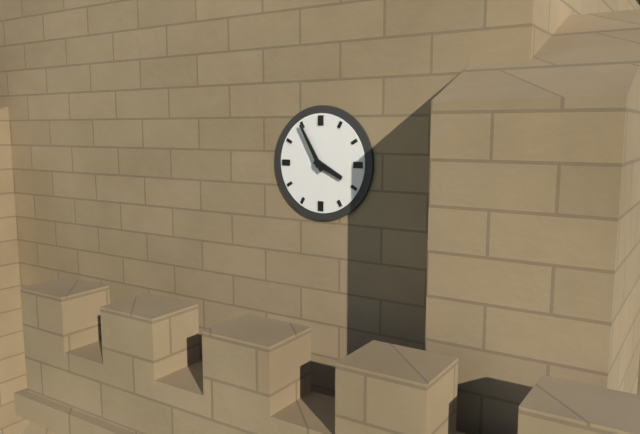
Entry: 3 h 55 min
